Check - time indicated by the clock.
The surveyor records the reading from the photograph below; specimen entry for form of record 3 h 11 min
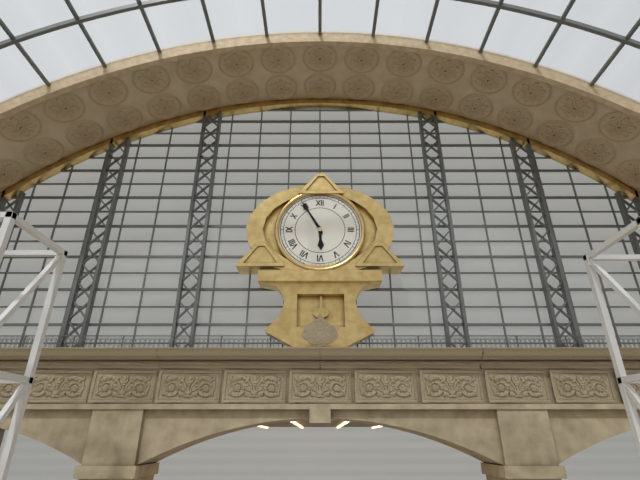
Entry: 5 h 55 min
